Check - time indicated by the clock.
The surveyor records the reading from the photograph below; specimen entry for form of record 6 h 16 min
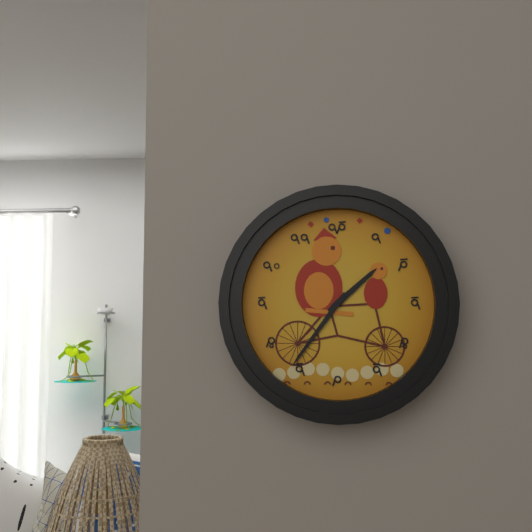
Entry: 1 h 36 min
